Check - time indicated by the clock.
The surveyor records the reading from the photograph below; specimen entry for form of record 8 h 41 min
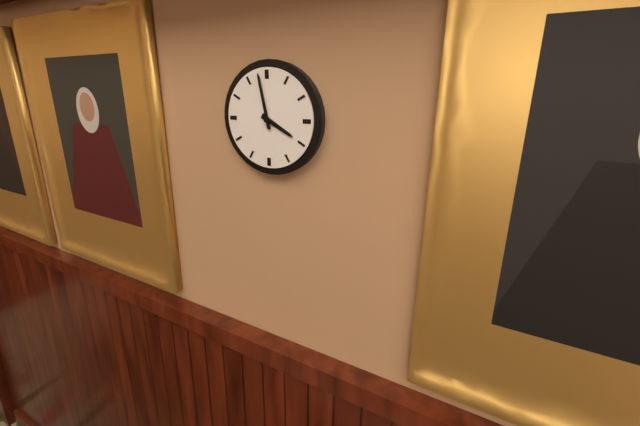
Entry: 3 h 58 min
